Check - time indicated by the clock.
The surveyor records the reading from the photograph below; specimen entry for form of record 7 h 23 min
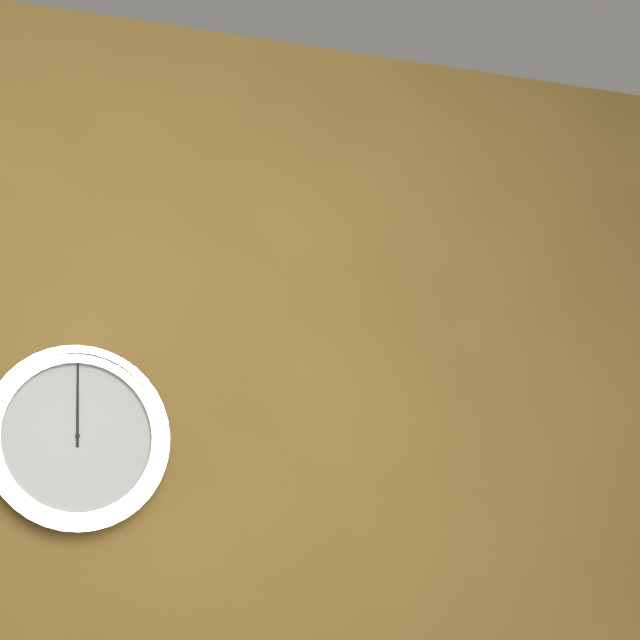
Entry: 12 h 00 min
